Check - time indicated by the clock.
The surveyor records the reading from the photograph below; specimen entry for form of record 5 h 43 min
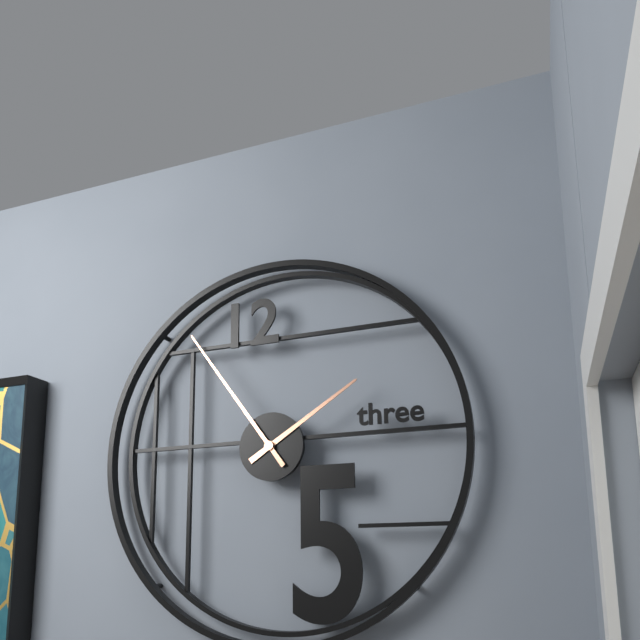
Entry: 1 h 54 min
